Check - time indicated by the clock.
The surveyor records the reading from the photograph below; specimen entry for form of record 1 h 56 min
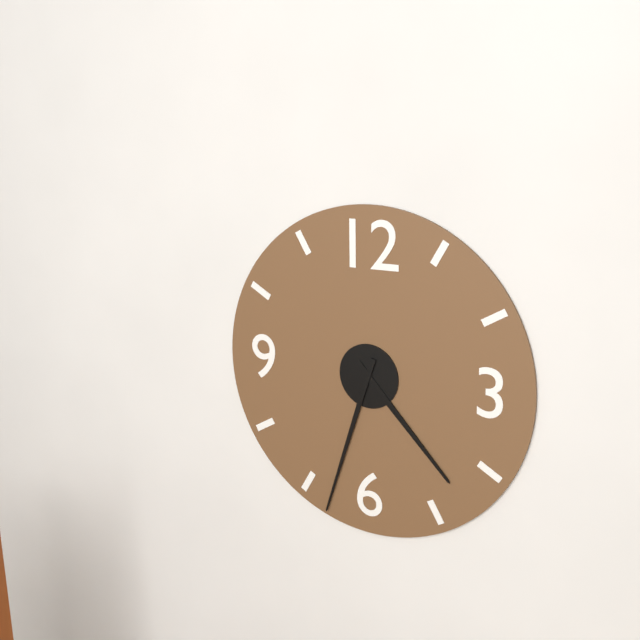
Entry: 4 h 33 min
